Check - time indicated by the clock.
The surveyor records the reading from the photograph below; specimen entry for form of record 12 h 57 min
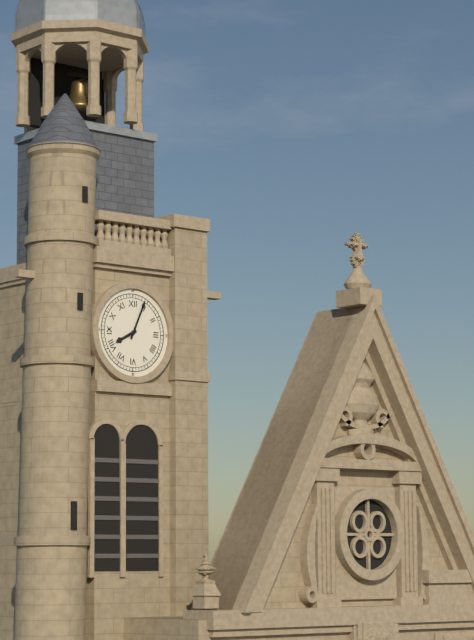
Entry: 8 h 04 min
